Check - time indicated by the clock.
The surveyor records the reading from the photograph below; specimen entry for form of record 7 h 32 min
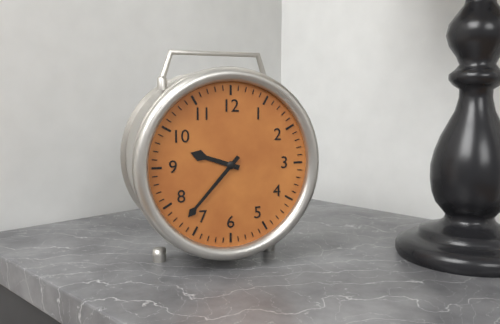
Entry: 9 h 37 min
